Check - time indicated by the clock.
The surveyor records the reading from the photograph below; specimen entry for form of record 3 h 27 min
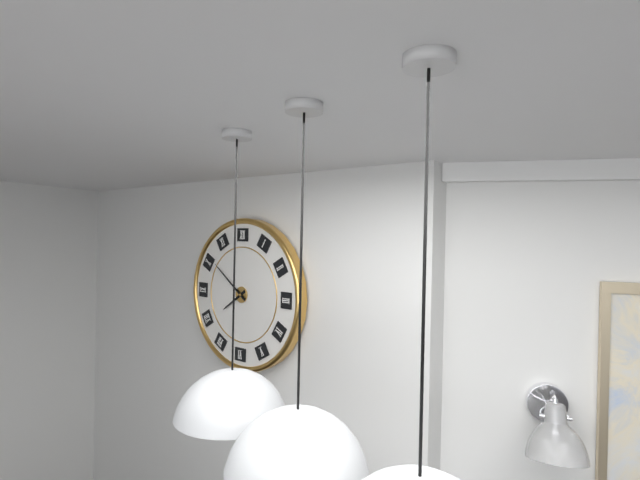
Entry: 7 h 51 min
